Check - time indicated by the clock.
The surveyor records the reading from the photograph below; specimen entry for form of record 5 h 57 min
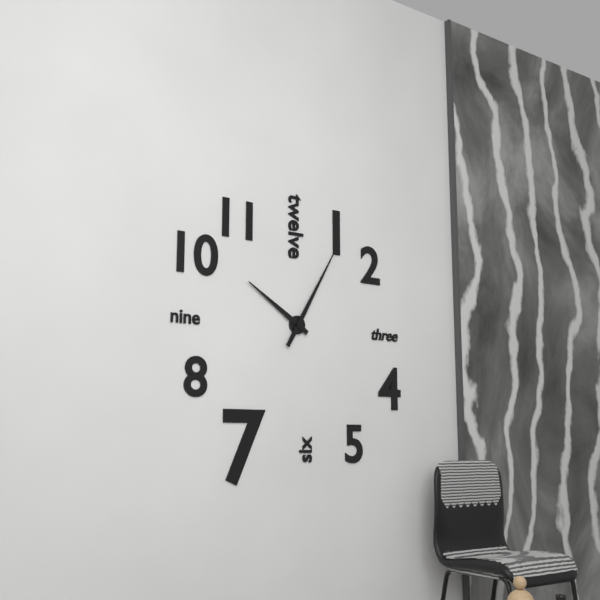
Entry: 10 h 05 min
